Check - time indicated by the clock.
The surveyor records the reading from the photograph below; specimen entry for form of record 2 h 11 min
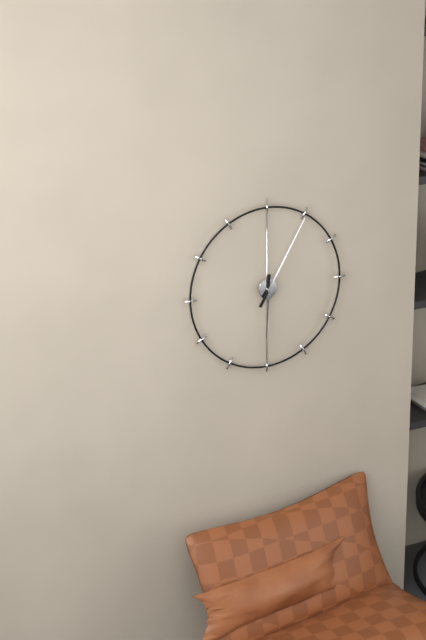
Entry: 6 h 05 min
